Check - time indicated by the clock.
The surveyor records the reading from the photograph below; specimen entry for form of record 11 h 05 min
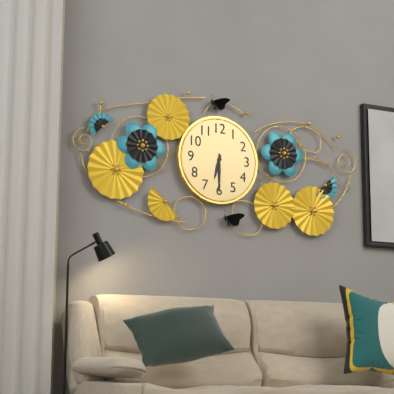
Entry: 6 h 30 min
